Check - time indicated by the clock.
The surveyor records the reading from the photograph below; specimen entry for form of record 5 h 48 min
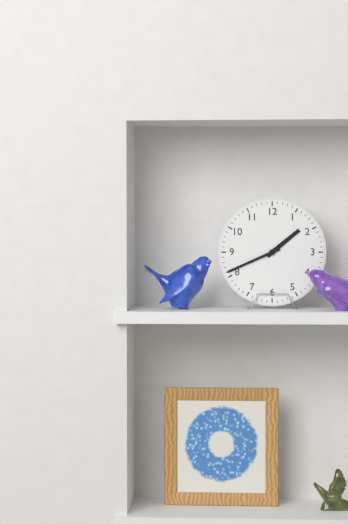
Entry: 1 h 41 min
